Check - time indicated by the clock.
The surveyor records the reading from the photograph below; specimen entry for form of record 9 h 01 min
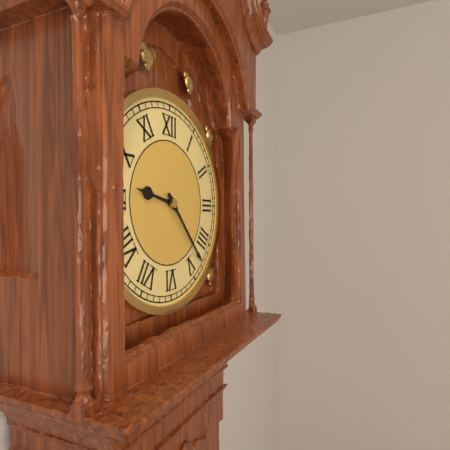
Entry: 9 h 23 min
